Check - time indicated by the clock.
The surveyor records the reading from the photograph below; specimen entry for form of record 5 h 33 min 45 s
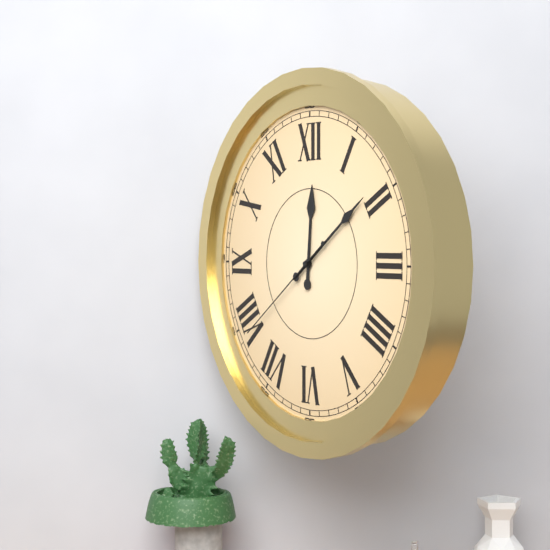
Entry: 12 h 09 min 39 s
